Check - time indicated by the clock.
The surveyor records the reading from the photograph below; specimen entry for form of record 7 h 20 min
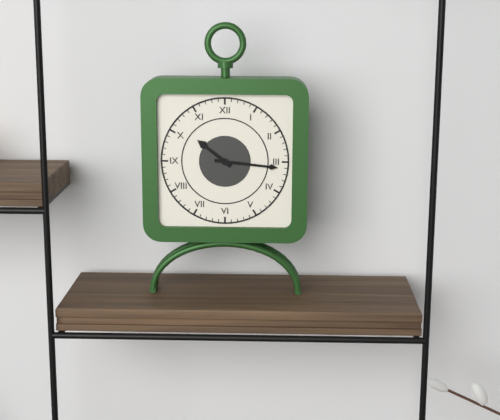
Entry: 10 h 16 min
